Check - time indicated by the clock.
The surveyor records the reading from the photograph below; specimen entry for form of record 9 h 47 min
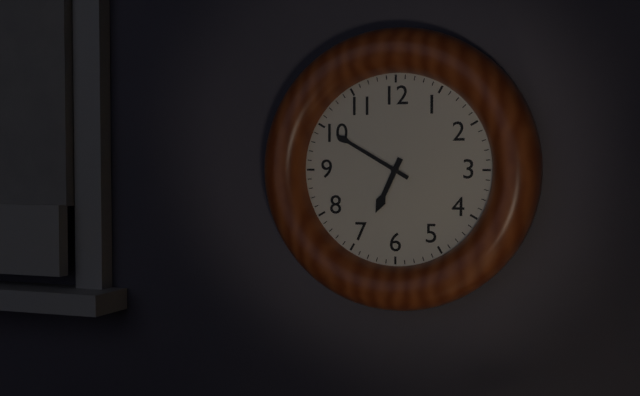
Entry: 6 h 50 min
